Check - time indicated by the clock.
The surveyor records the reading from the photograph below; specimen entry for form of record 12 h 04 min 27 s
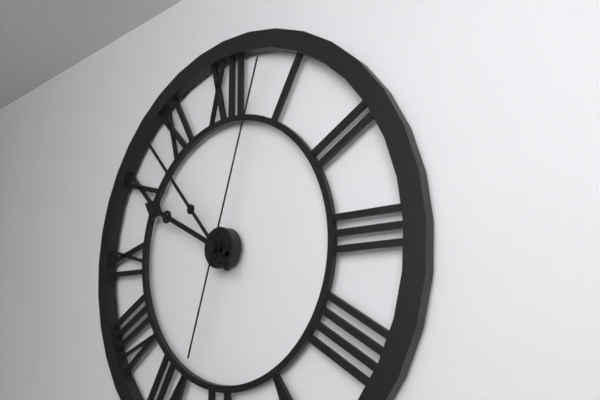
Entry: 9 h 53 min 03 s
